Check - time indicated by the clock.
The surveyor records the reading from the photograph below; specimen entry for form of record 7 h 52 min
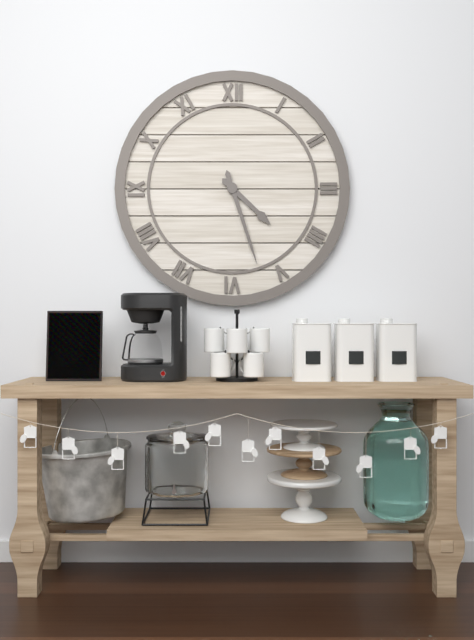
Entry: 4 h 27 min
